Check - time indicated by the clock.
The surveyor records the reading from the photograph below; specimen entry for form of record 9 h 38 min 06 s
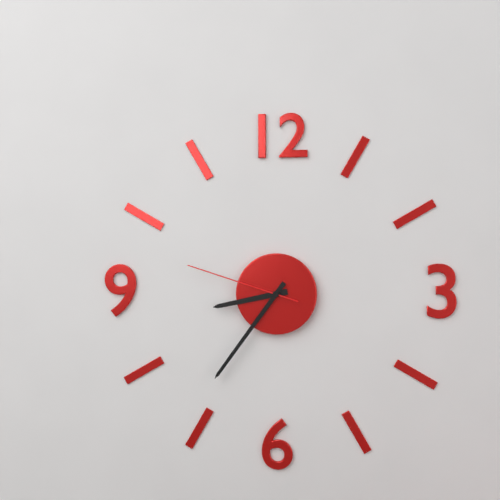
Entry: 8 h 36 min 48 s
